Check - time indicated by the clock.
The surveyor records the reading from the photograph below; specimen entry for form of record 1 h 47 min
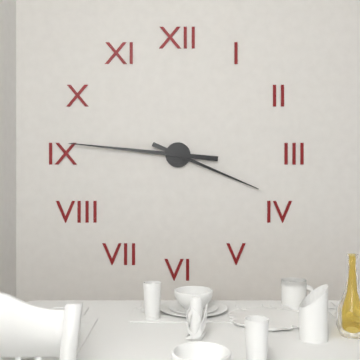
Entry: 3 h 46 min
